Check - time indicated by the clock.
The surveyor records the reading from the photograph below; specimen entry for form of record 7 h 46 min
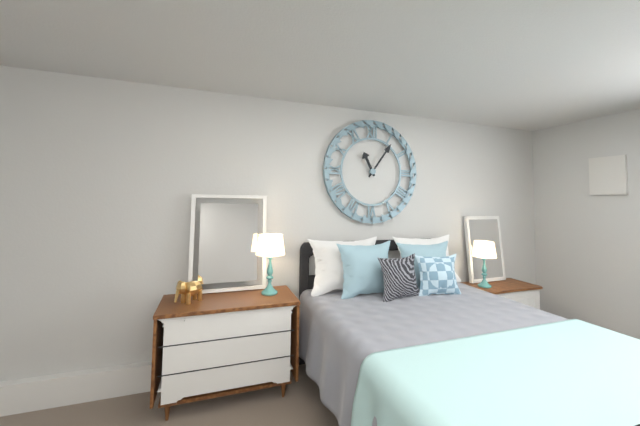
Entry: 11 h 06 min
